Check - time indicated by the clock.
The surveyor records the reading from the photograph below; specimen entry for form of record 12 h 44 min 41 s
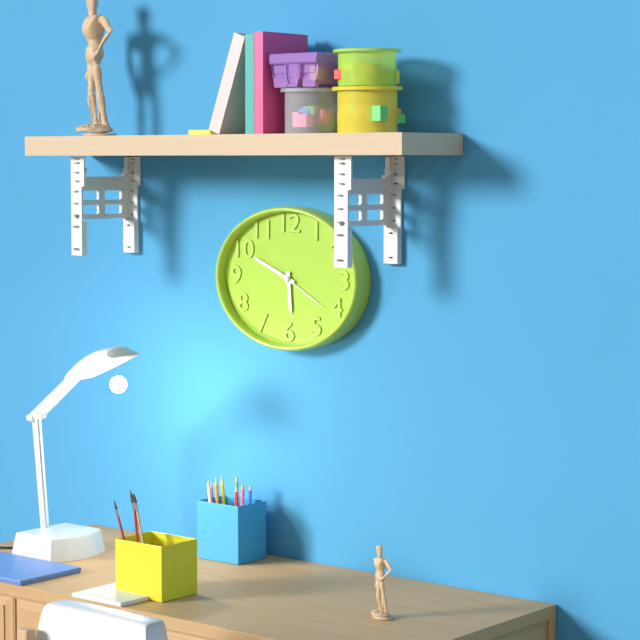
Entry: 5 h 49 min 20 s
